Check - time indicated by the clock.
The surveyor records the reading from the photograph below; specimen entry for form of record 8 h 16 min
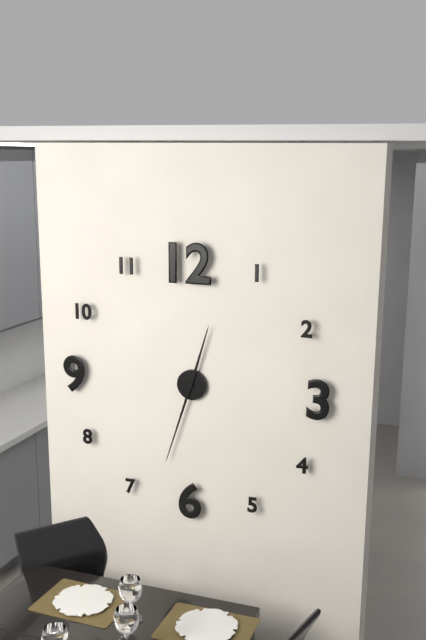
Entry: 12 h 33 min
